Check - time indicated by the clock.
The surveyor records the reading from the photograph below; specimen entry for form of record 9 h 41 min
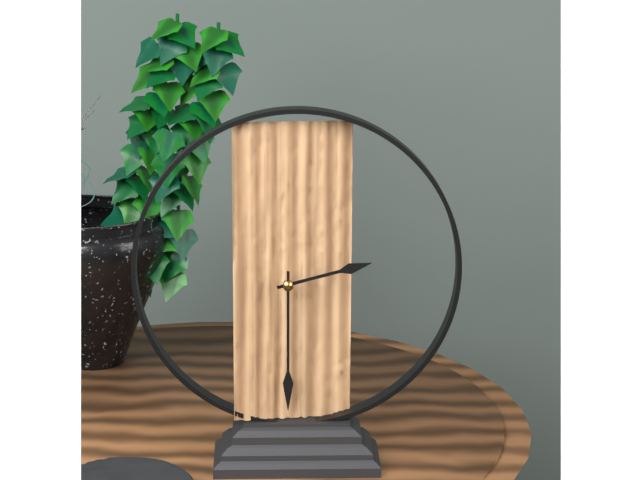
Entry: 2 h 30 min
